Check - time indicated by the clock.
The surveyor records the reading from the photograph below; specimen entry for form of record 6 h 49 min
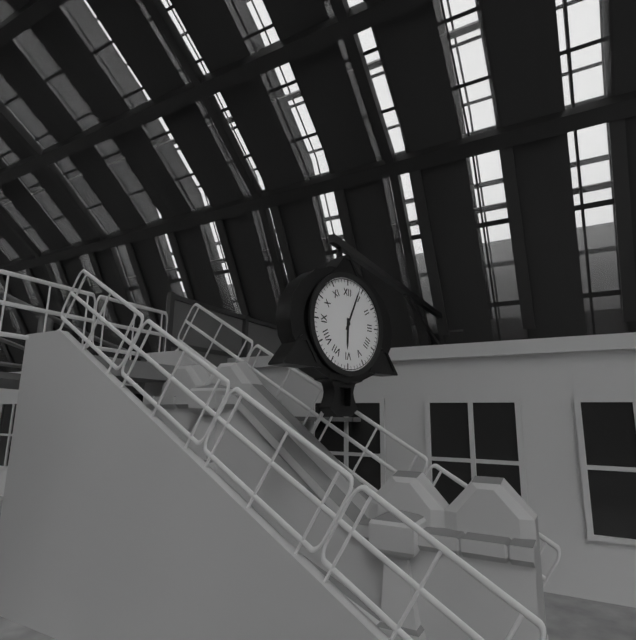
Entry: 6 h 04 min
